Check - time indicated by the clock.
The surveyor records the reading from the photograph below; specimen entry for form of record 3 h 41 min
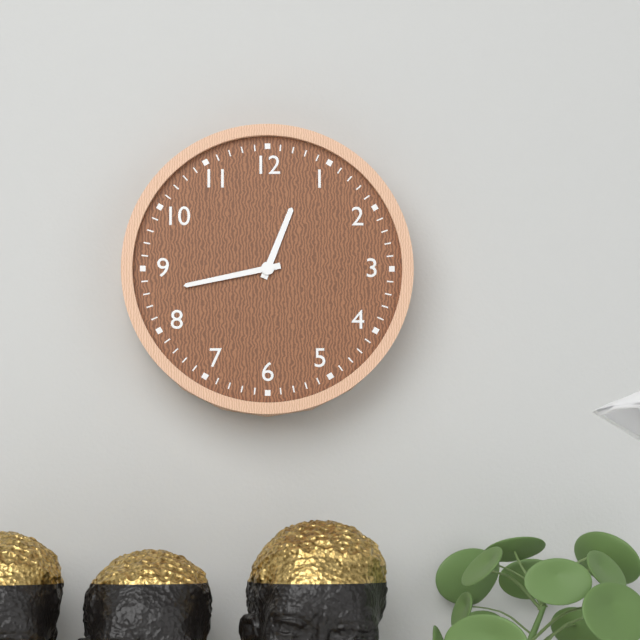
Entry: 12 h 43 min
